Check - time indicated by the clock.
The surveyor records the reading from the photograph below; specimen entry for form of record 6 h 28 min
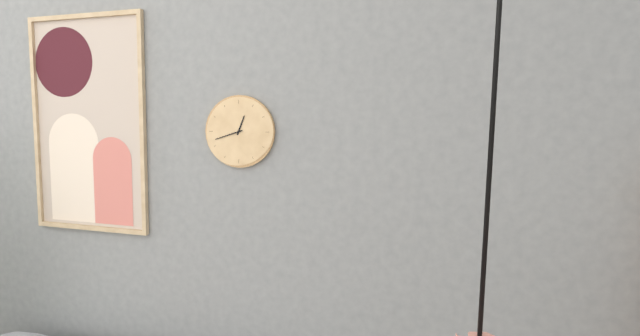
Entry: 12 h 42 min
